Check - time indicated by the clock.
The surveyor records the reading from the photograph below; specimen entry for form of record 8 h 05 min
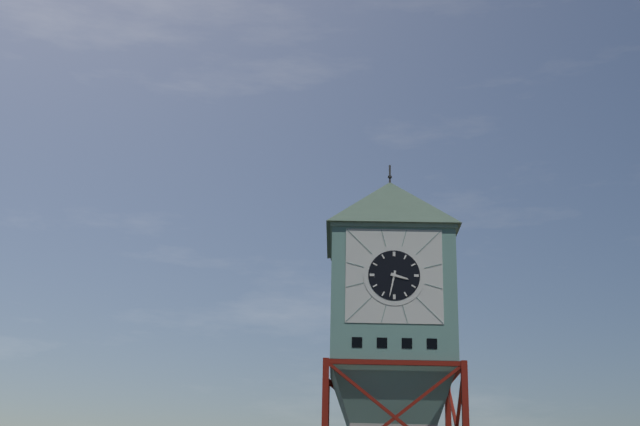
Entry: 3 h 32 min
